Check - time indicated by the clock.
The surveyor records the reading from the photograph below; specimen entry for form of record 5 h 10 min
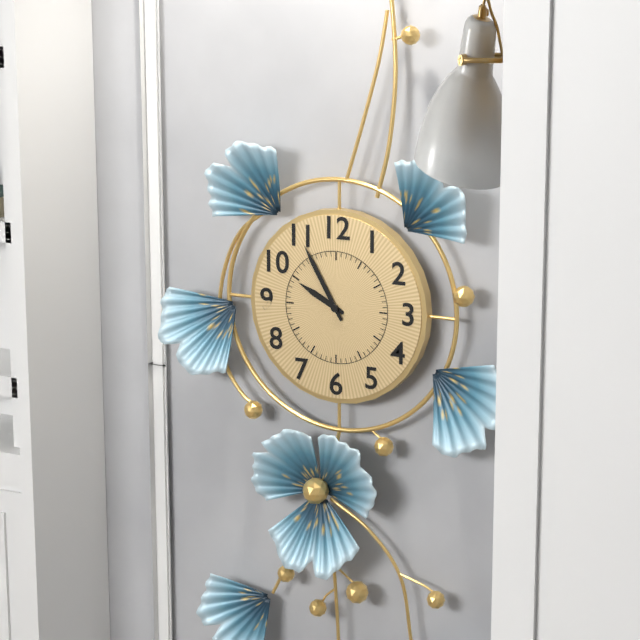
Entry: 9 h 55 min
